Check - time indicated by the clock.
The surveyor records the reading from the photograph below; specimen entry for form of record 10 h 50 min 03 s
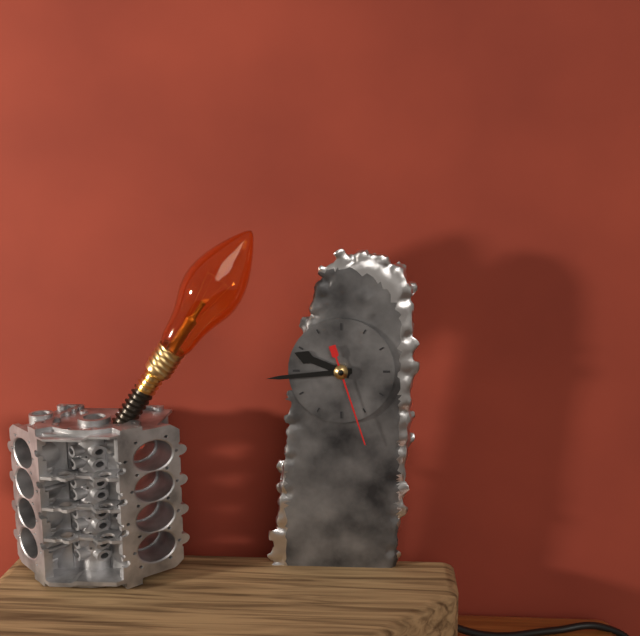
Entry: 9 h 44 min 27 s
